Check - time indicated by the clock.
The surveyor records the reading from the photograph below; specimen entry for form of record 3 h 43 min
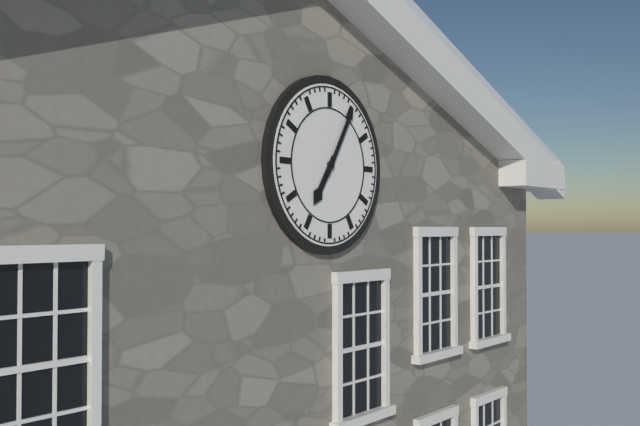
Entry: 7 h 05 min
